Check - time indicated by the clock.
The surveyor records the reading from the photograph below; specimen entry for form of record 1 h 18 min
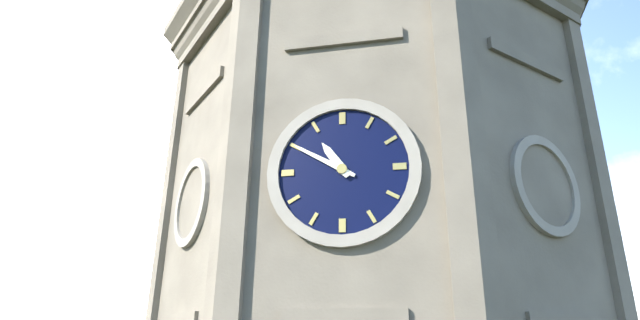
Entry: 10 h 50 min
